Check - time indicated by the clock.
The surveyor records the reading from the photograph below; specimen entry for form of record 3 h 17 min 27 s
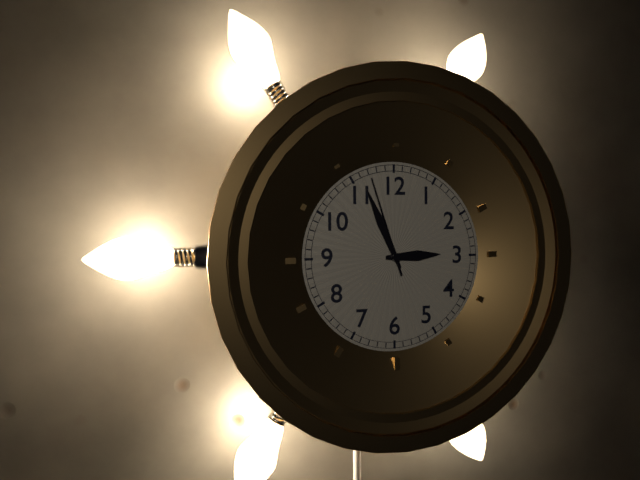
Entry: 2 h 56 min 57 s
